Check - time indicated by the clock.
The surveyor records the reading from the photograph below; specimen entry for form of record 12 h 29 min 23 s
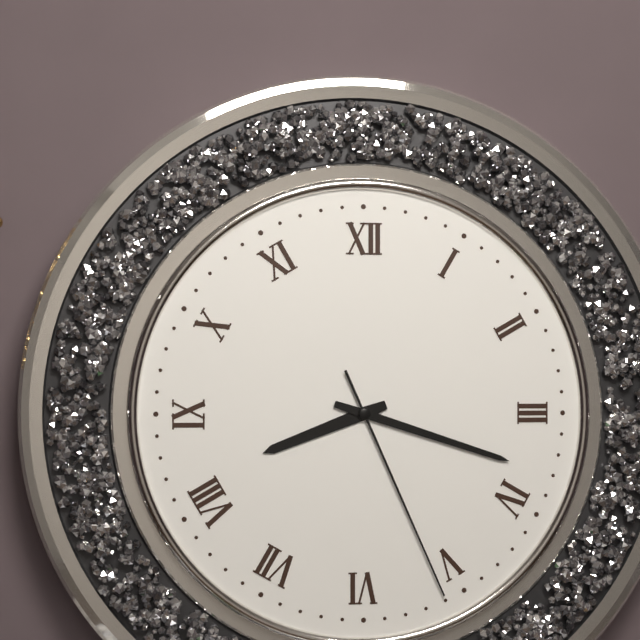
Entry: 8 h 18 min 26 s
